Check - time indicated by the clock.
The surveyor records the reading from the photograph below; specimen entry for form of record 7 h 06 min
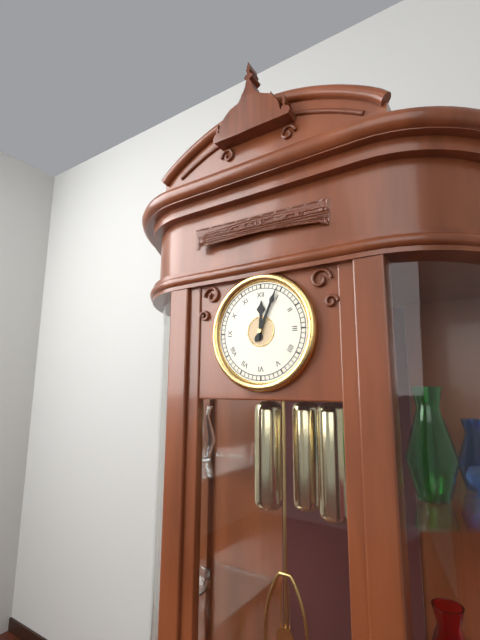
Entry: 12 h 04 min
